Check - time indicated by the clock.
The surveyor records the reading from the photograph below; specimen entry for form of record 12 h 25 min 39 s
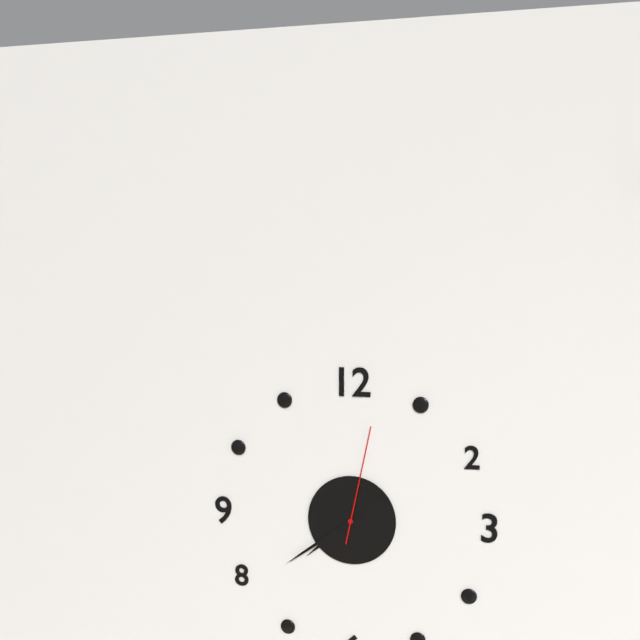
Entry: 7 h 39 min 02 s
